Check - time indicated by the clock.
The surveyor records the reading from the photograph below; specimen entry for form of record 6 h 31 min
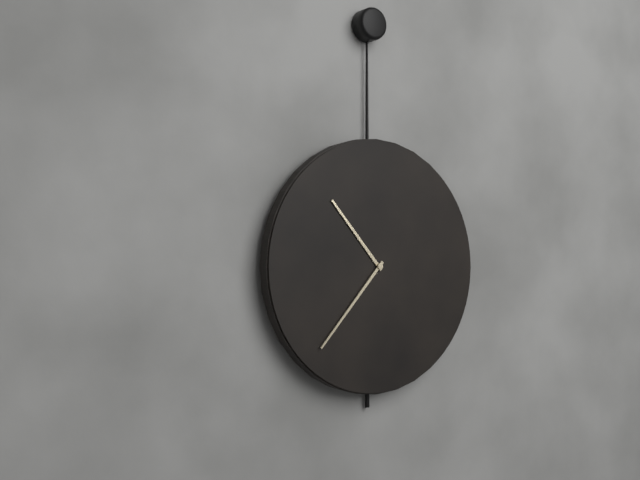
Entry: 10 h 37 min
